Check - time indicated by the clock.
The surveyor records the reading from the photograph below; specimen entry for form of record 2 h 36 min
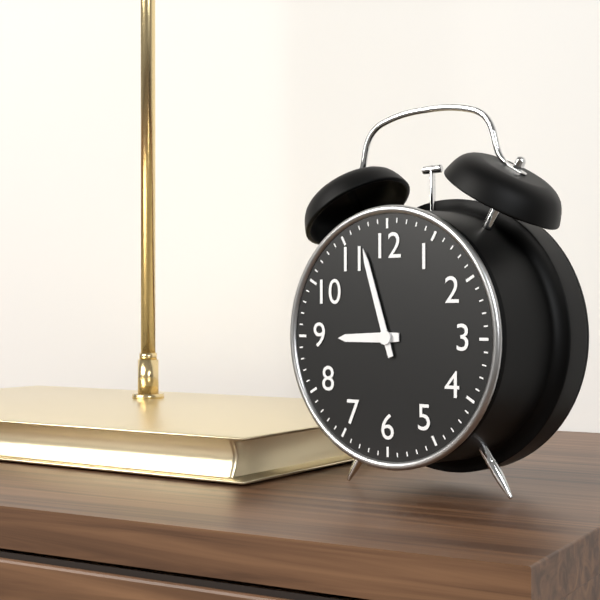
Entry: 8 h 57 min
